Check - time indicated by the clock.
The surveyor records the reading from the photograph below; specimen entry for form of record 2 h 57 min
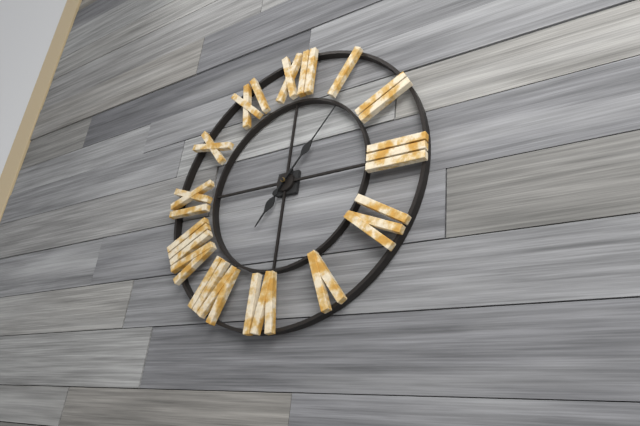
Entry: 7 h 06 min
